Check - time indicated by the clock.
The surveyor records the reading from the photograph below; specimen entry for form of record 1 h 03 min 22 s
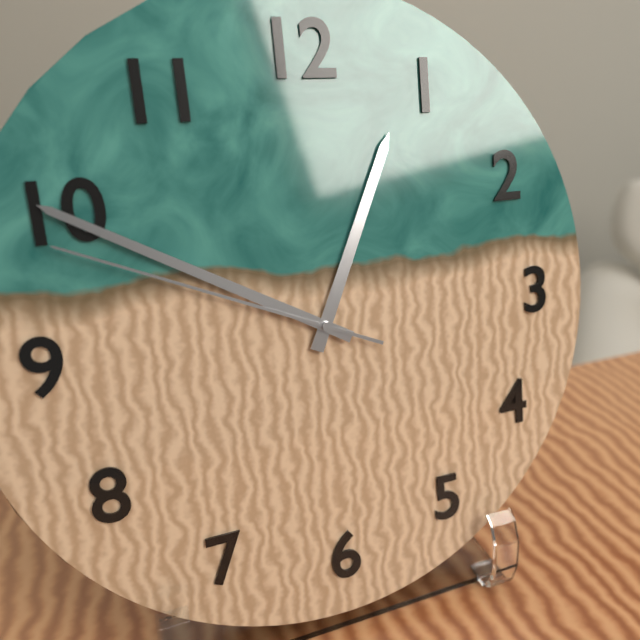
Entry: 12 h 50 min 49 s
